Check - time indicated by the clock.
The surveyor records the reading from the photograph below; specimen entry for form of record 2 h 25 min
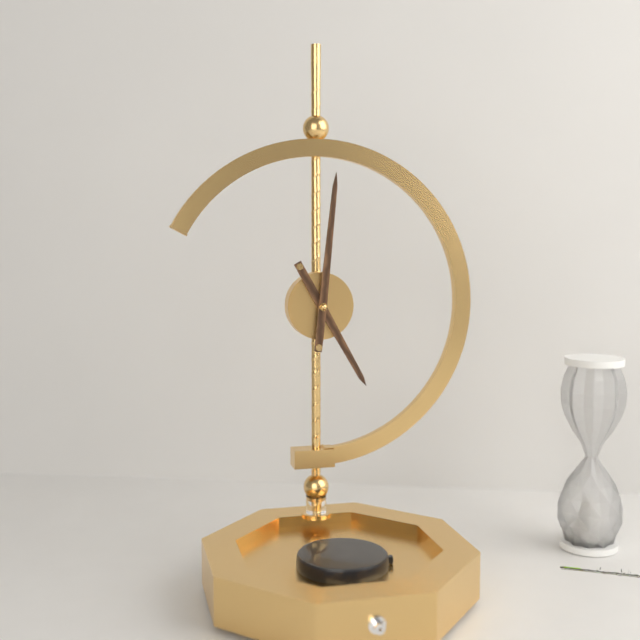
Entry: 5 h 01 min
